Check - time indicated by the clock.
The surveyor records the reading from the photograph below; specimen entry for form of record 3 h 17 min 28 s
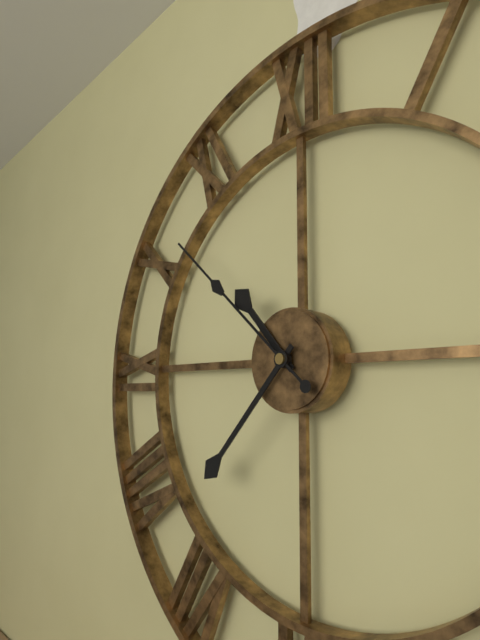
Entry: 10 h 37 min 52 s
